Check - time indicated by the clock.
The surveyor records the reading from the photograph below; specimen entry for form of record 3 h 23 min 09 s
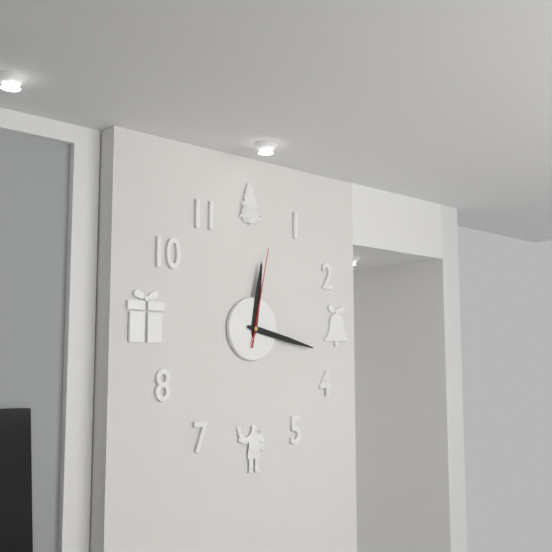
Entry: 12 h 17 min 02 s
